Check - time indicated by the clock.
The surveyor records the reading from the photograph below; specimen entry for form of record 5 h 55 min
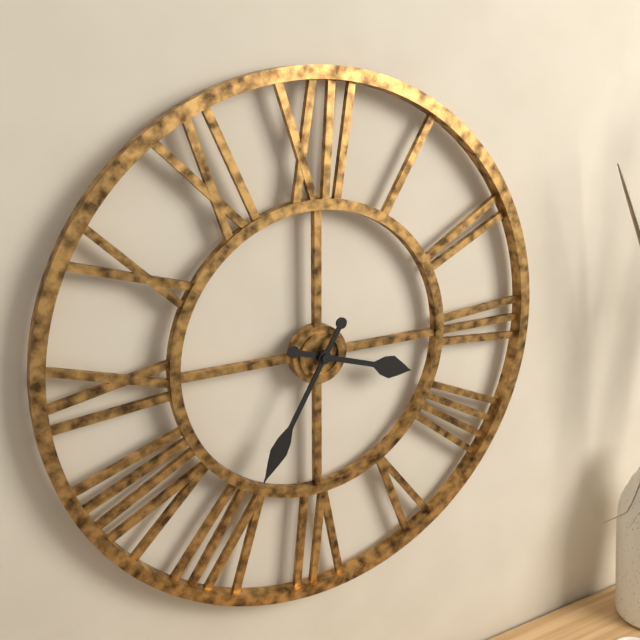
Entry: 3 h 35 min
